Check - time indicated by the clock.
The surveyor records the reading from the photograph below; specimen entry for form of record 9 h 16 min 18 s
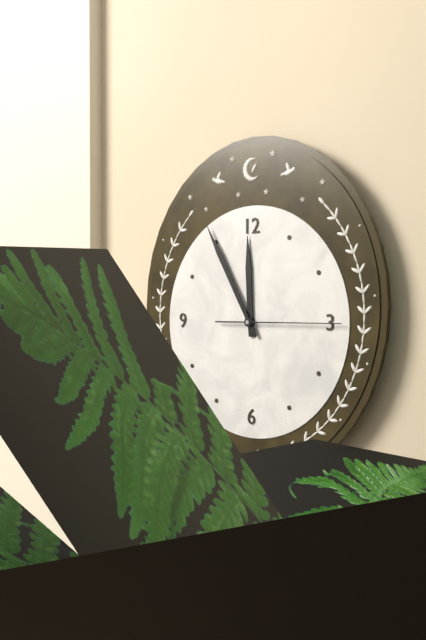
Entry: 11 h 55 min 15 s
